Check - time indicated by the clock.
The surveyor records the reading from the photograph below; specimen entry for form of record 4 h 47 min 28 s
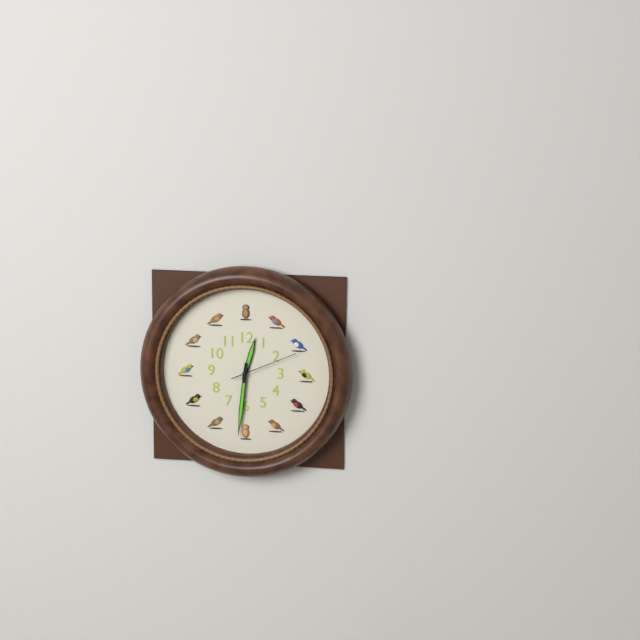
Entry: 12 h 31 min 11 s
